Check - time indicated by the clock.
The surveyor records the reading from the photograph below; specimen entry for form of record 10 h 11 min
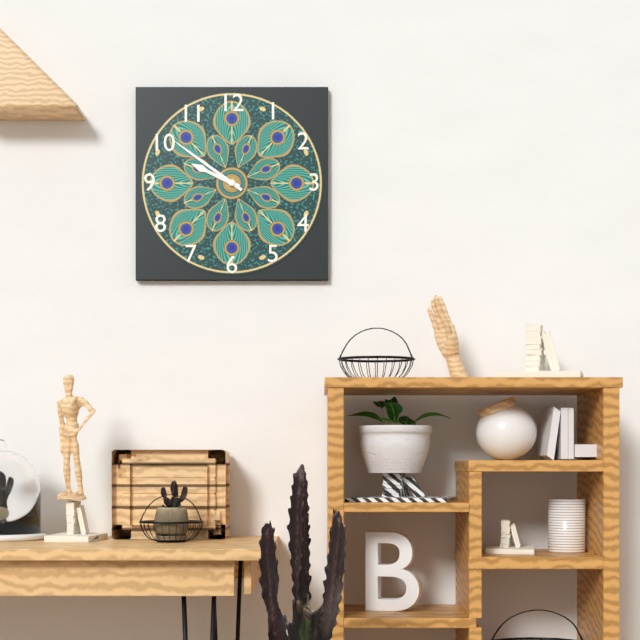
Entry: 9 h 51 min
